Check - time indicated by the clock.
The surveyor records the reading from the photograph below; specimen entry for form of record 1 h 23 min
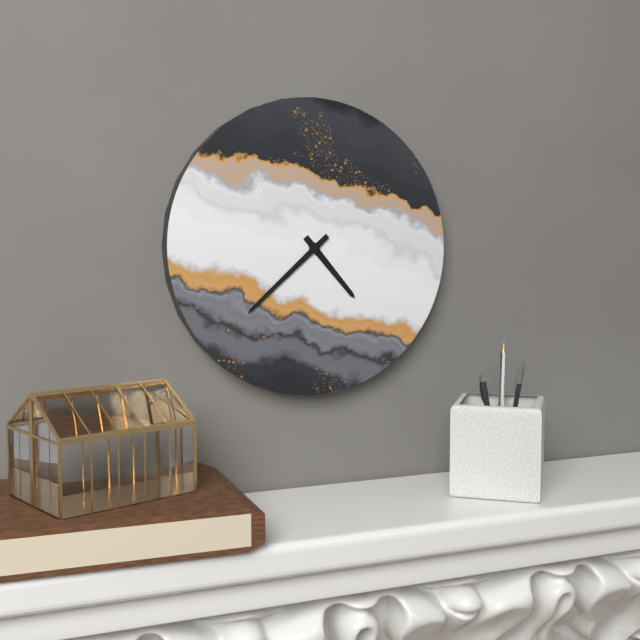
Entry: 4 h 38 min
